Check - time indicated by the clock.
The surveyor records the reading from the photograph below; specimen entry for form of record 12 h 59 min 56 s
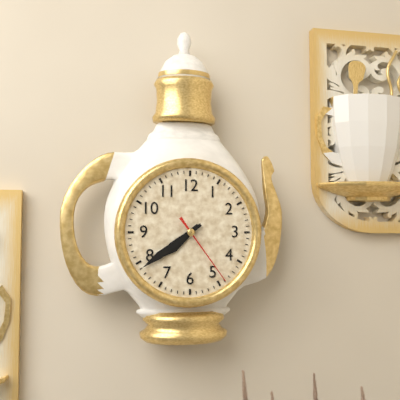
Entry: 7 h 39 min 24 s
